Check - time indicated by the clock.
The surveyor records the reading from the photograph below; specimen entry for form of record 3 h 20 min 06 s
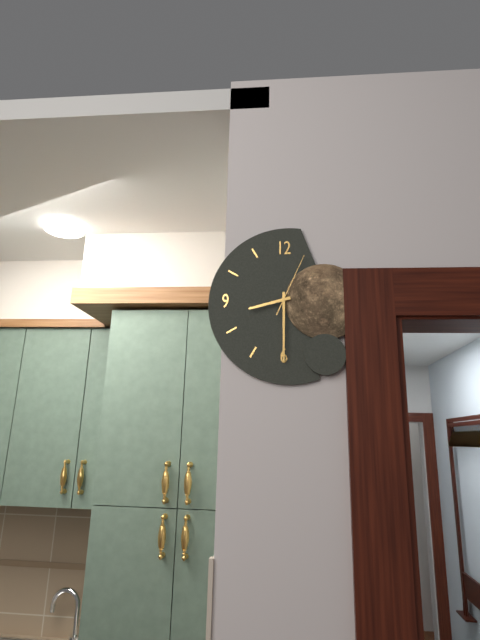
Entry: 8 h 30 min 04 s
